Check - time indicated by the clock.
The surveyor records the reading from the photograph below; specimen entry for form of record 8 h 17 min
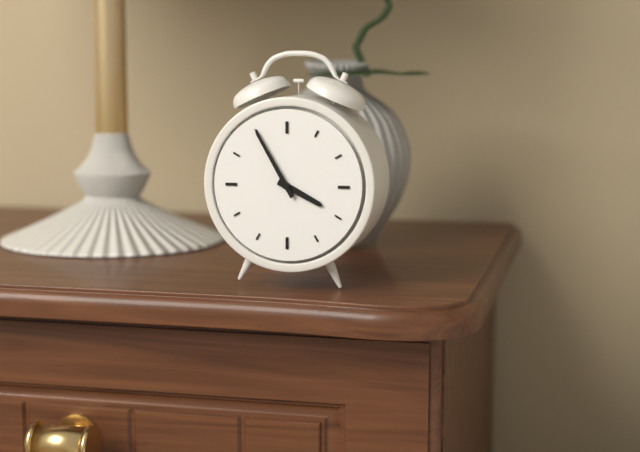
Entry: 3 h 55 min
